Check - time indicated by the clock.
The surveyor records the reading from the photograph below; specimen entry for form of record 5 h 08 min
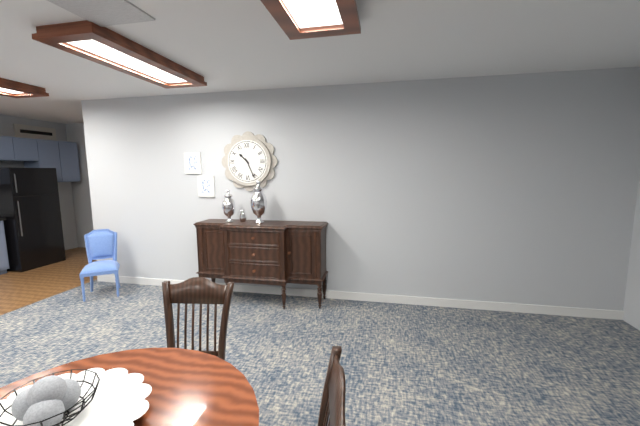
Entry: 10 h 26 min
